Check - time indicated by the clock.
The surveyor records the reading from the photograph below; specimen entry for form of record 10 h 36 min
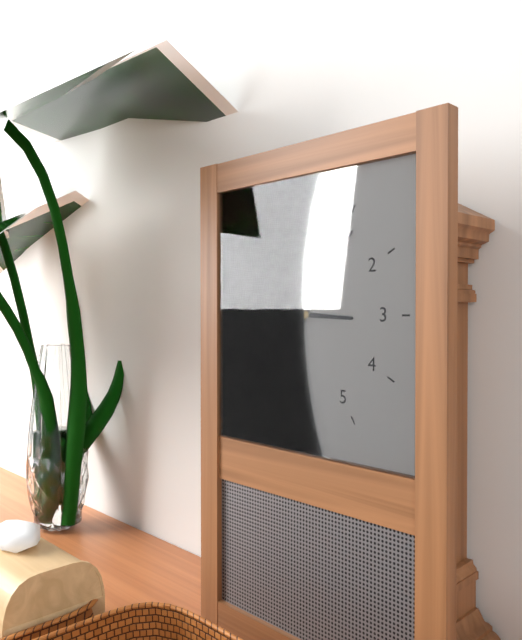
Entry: 3 h 06 min
